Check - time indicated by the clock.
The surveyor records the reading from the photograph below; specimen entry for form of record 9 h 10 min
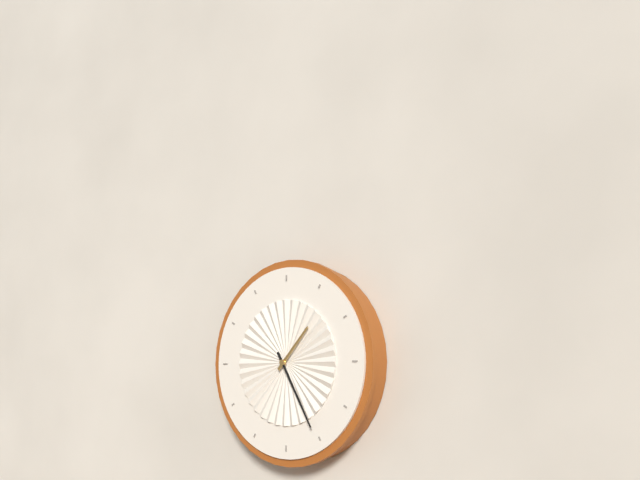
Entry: 1 h 25 min
